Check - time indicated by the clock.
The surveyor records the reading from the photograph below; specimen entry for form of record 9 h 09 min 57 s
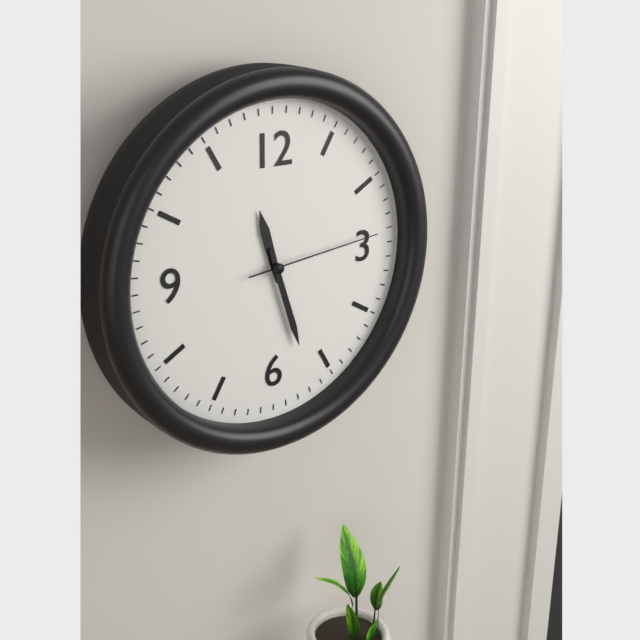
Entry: 11 h 27 min 14 s
